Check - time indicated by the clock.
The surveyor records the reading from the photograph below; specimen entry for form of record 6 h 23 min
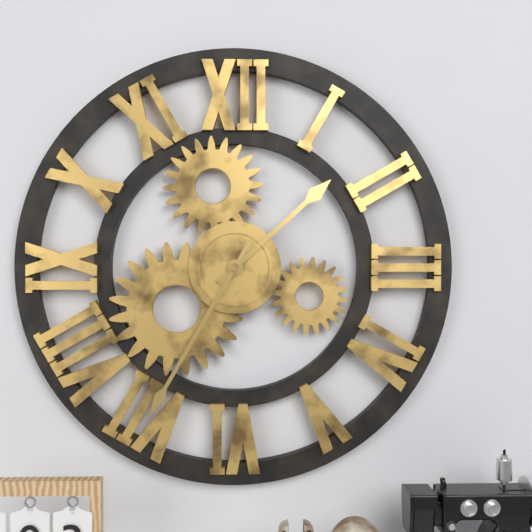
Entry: 1 h 35 min
